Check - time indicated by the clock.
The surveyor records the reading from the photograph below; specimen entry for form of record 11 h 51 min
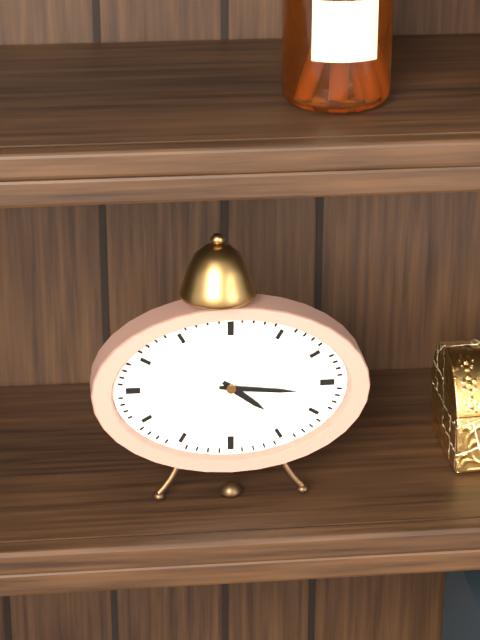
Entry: 4 h 16 min
